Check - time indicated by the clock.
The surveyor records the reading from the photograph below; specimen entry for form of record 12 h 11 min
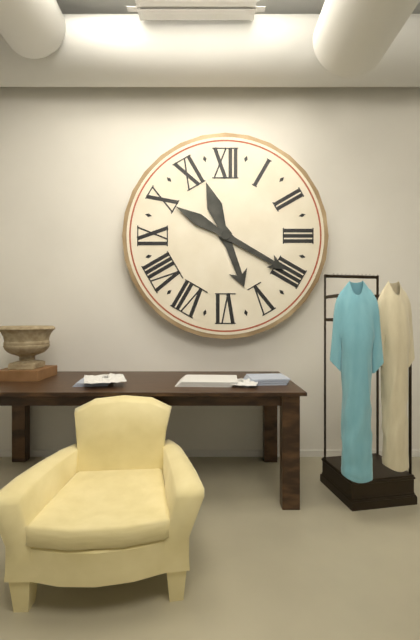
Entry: 5 h 20 min
